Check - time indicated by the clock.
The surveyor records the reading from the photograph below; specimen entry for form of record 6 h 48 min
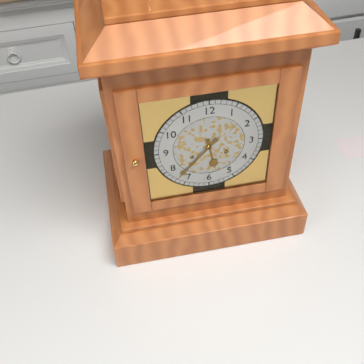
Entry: 5 h 37 min
